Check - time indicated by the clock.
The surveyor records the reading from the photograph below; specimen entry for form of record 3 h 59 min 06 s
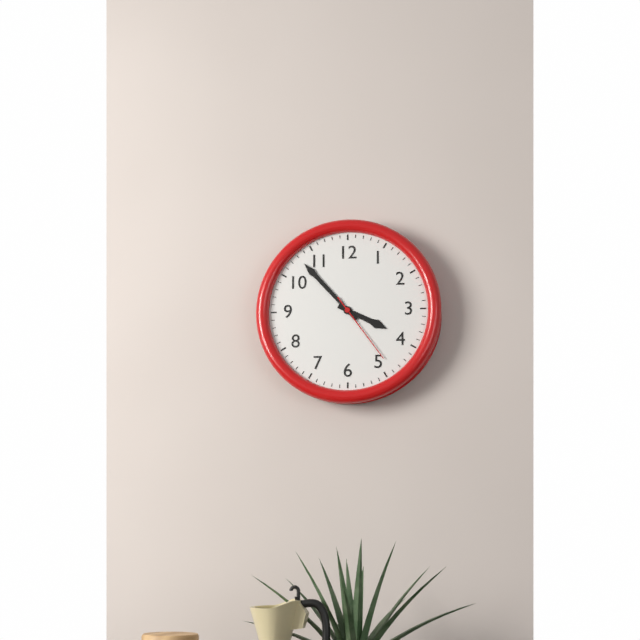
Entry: 3 h 53 min 24 s
